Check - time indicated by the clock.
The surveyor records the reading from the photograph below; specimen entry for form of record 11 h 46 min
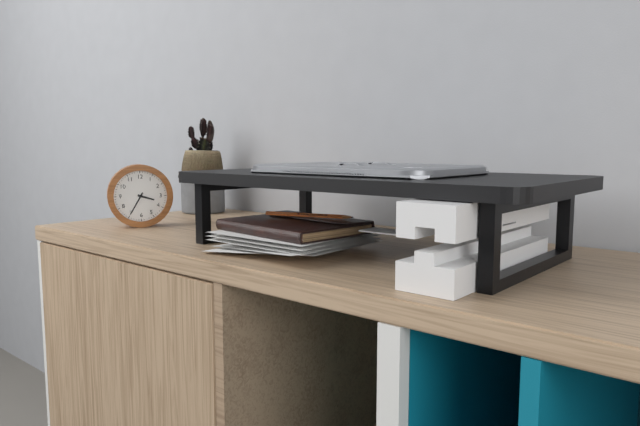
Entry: 3 h 35 min
